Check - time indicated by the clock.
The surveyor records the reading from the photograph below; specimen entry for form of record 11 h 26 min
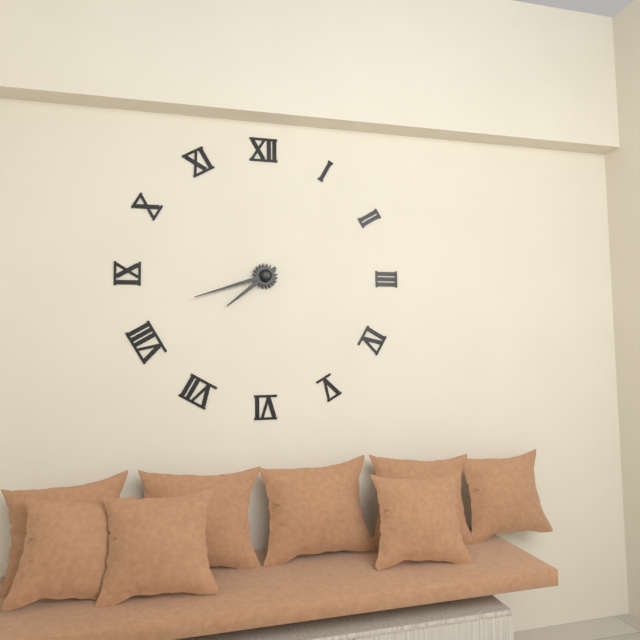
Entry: 7 h 42 min
